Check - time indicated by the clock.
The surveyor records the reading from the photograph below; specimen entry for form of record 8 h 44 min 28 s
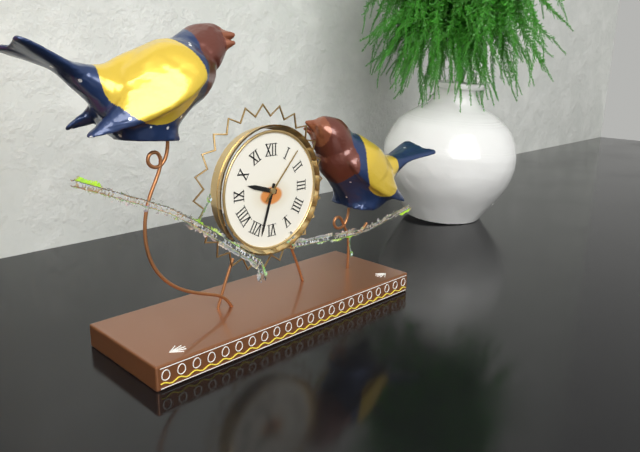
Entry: 9 h 33 min 07 s
